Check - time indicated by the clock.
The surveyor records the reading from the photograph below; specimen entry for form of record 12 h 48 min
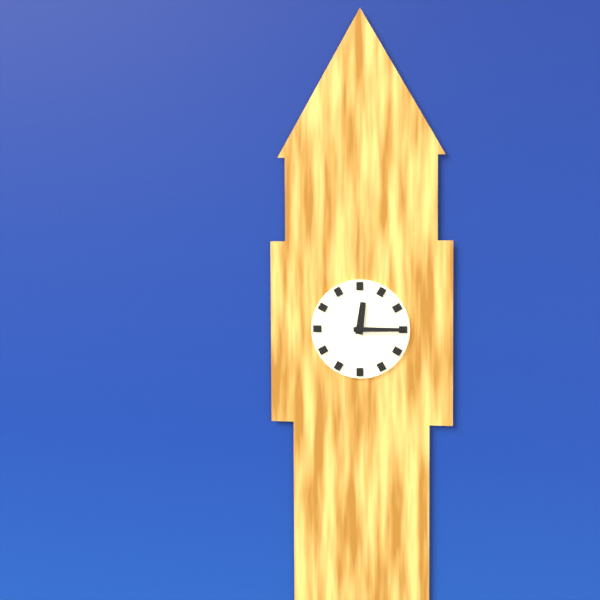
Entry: 12 h 15 min
